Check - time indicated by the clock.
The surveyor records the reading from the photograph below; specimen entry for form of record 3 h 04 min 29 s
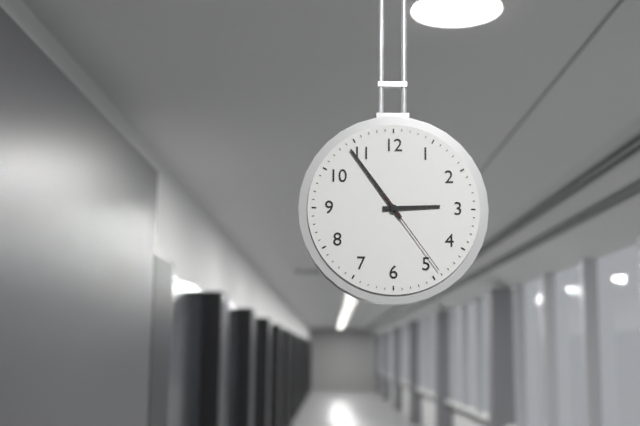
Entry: 2 h 54 min 24 s
